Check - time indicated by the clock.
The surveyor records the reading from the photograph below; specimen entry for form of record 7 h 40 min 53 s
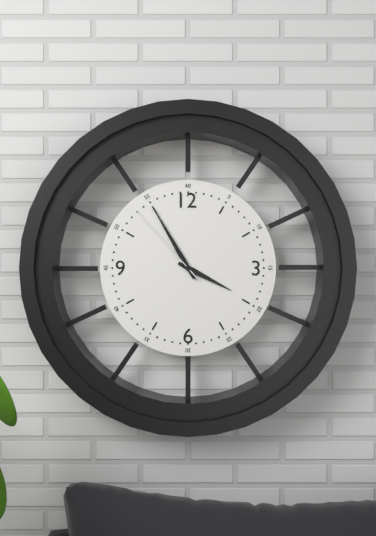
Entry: 3 h 55 min 53 s
